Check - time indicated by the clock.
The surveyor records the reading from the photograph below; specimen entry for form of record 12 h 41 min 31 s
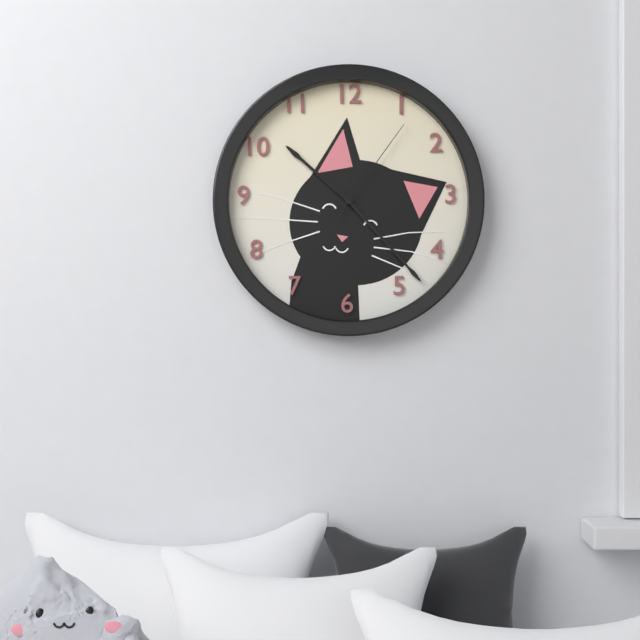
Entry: 10 h 23 min 06 s
